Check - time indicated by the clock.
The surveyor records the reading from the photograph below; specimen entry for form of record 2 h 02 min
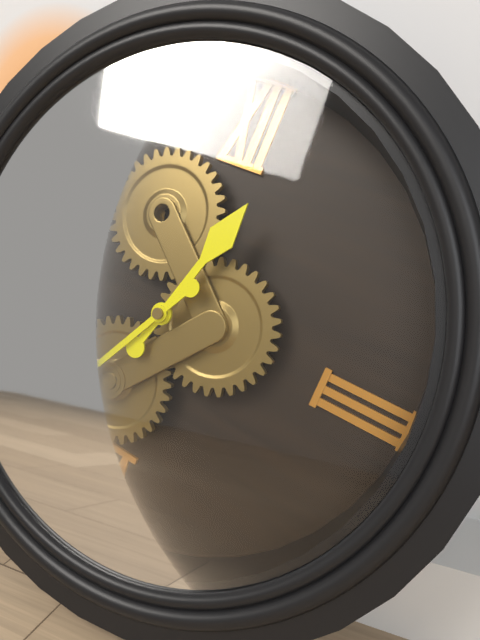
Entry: 12 h 35 min
